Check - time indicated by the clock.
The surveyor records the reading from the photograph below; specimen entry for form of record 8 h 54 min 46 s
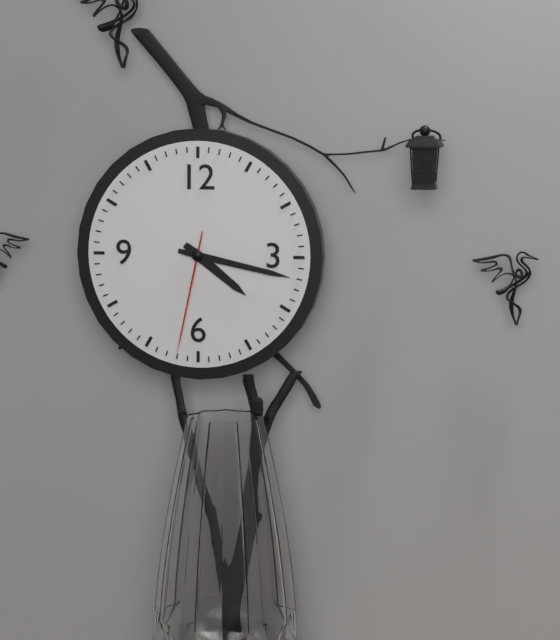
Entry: 4 h 17 min 32 s
